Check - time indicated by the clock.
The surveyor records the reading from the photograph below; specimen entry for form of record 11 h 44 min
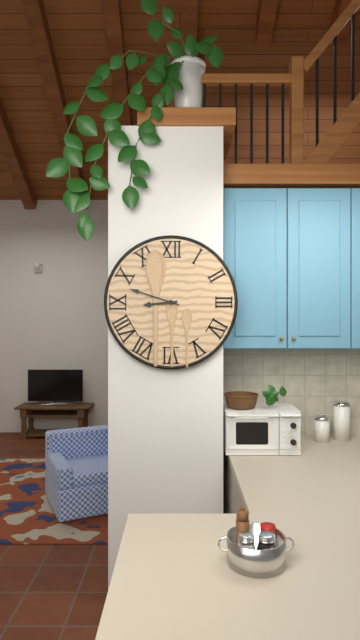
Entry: 8 h 48 min
